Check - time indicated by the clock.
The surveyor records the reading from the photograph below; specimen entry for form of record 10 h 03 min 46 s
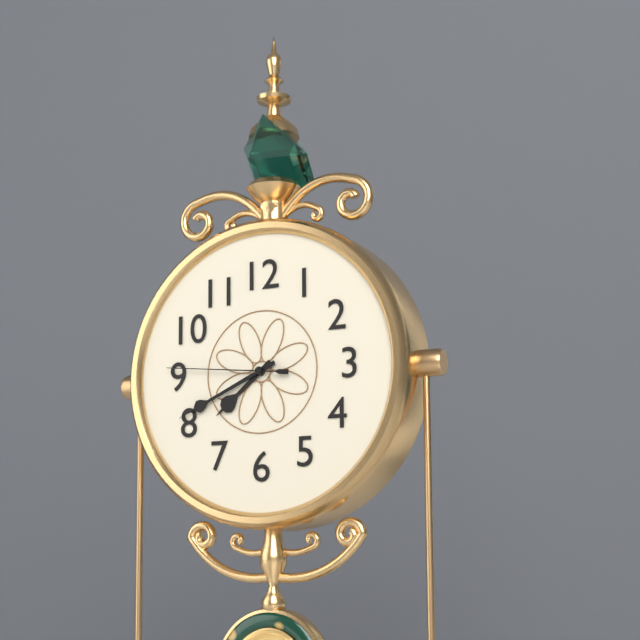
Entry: 7 h 41 min 46 s
